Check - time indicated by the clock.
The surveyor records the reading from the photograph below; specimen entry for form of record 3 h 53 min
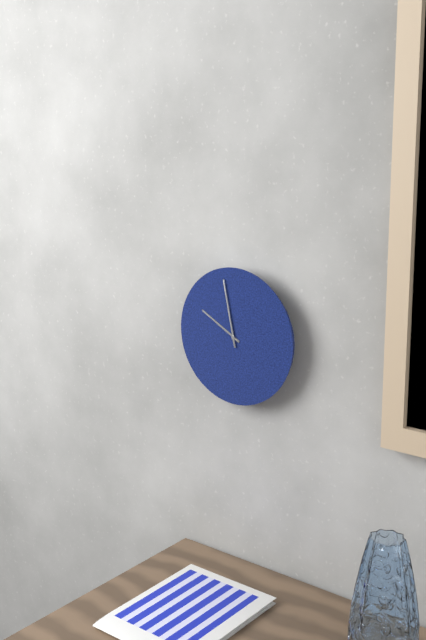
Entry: 9 h 58 min
